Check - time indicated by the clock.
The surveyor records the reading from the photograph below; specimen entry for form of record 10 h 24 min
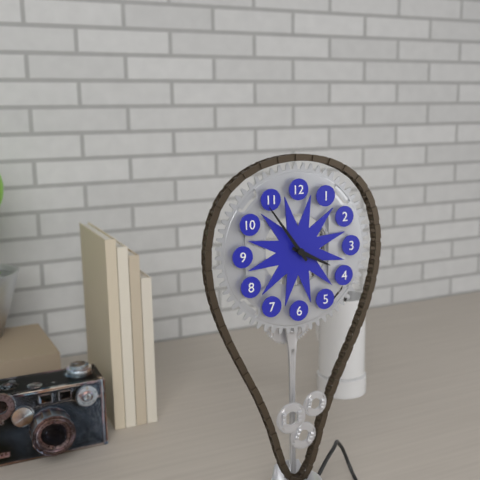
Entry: 3 h 54 min
